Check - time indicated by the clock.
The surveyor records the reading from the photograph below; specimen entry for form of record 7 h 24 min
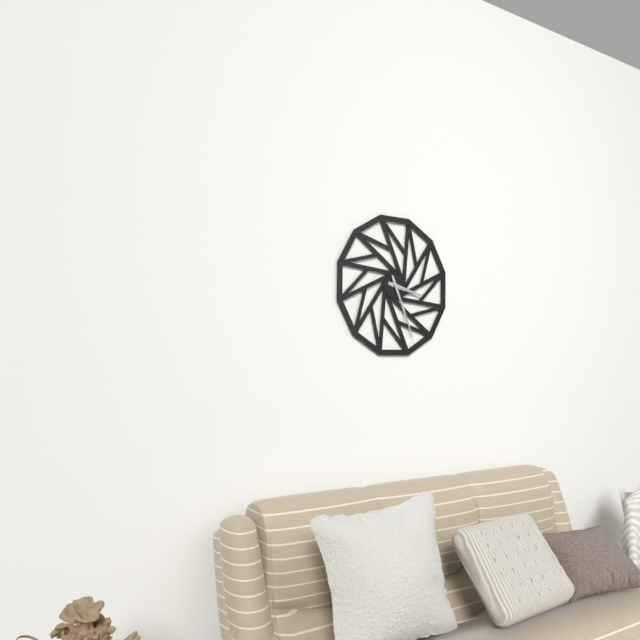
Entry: 3 h 26 min
